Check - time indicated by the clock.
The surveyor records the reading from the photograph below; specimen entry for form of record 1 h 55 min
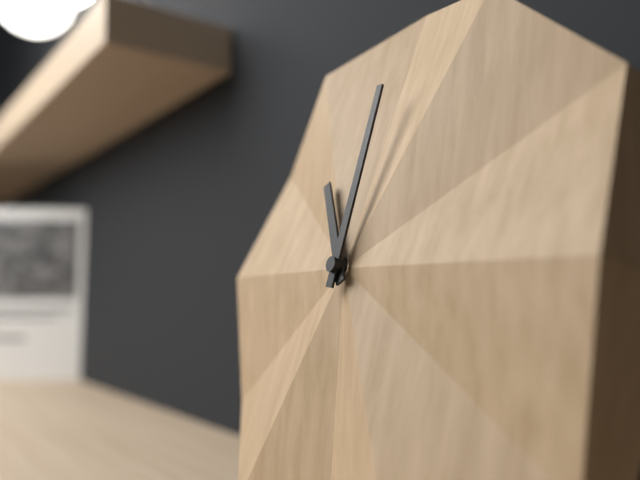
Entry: 11 h 01 min
